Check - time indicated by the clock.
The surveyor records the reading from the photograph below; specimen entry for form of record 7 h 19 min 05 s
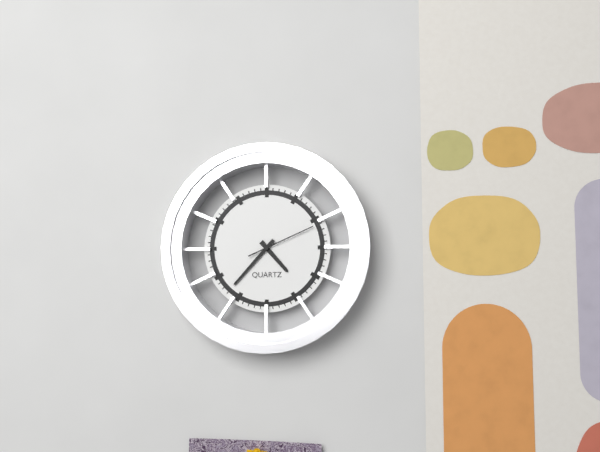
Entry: 4 h 37 min 11 s
